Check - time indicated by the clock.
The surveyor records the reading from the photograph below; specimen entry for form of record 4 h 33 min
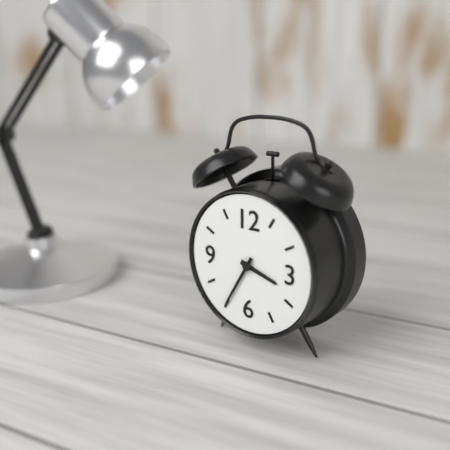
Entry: 3 h 35 min
